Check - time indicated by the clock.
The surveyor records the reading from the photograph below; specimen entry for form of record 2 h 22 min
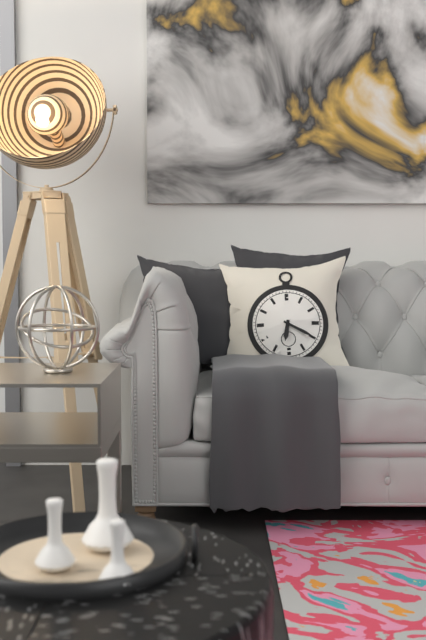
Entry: 6 h 20 min
